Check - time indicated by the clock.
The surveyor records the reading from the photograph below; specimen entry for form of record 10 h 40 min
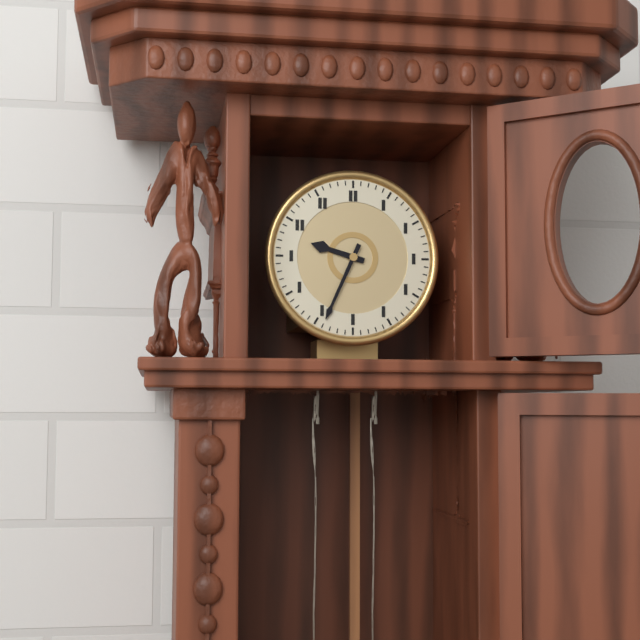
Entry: 9 h 34 min
